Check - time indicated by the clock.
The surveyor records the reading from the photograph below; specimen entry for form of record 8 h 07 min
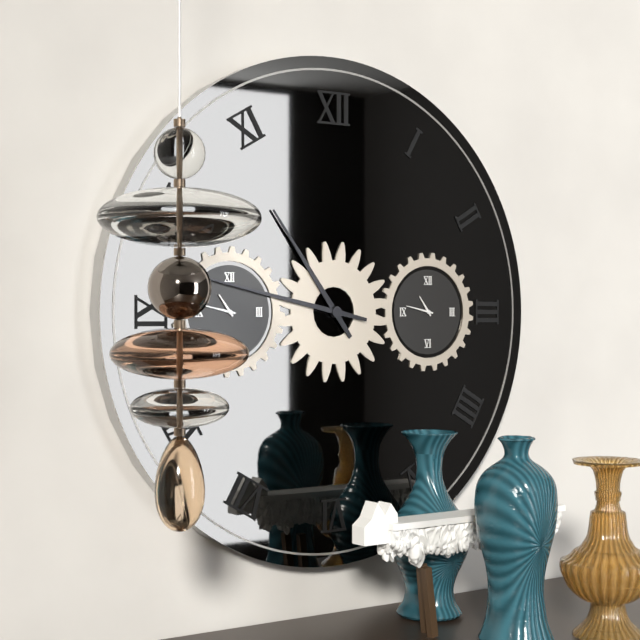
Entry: 10 h 47 min
